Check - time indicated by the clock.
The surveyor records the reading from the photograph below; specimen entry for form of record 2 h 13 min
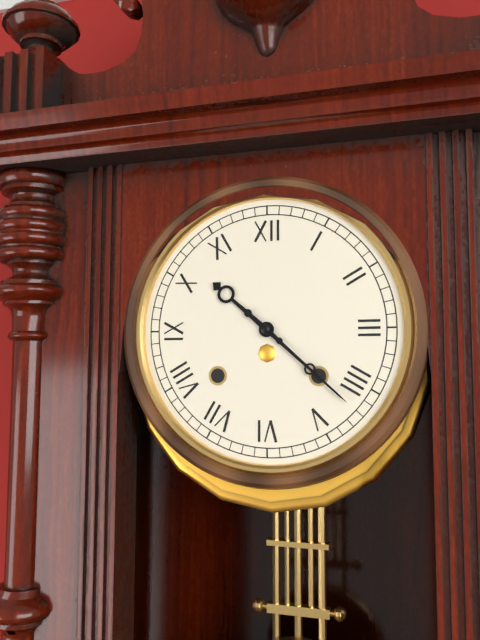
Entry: 10 h 22 min
